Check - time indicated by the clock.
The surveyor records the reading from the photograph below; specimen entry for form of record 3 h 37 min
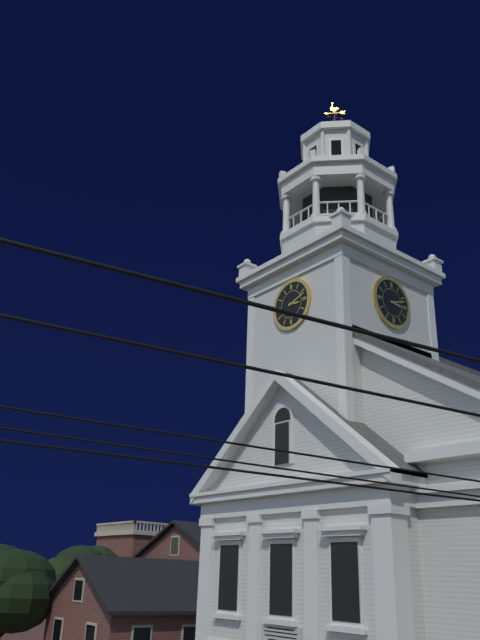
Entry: 3 h 12 min
